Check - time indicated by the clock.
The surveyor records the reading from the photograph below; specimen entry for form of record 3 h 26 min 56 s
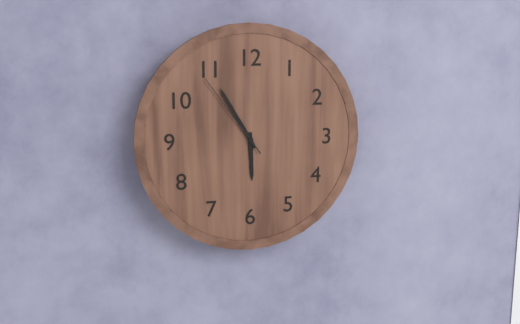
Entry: 5 h 55 min 54 s
